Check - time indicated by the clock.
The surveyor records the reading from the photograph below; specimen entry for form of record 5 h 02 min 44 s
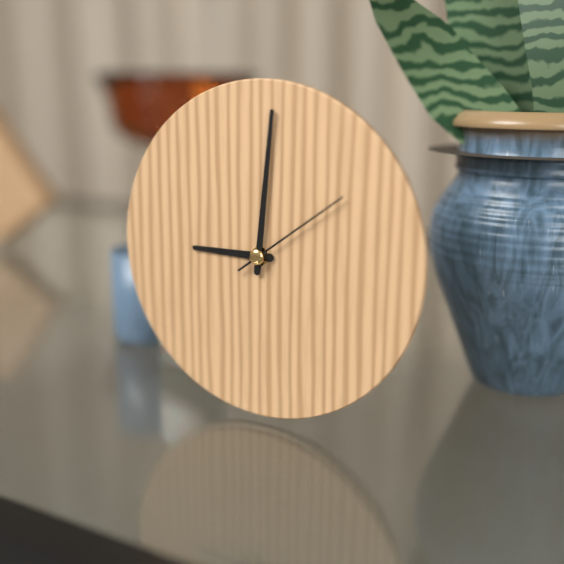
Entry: 9 h 01 min 09 s
